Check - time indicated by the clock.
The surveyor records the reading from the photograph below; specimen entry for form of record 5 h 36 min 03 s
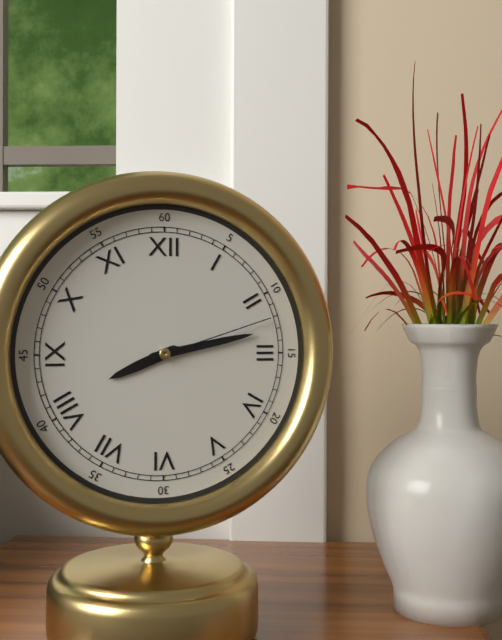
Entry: 8 h 13 min 12 s
